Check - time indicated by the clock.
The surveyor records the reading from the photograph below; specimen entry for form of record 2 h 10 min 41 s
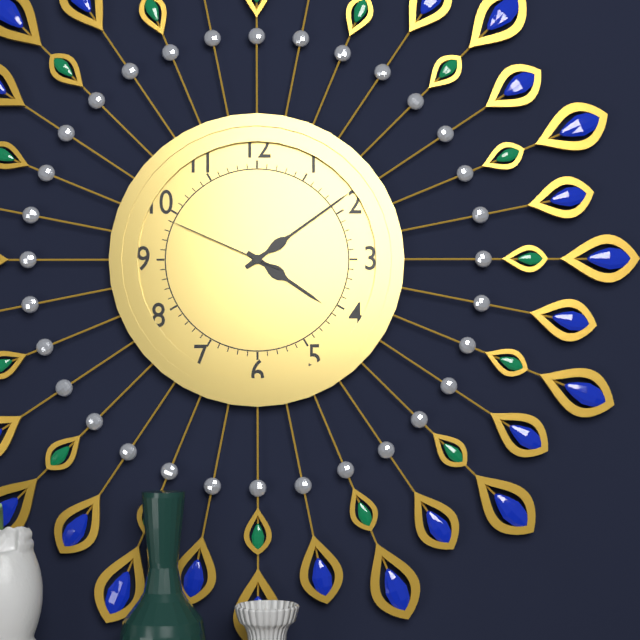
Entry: 4 h 09 min 49 s
